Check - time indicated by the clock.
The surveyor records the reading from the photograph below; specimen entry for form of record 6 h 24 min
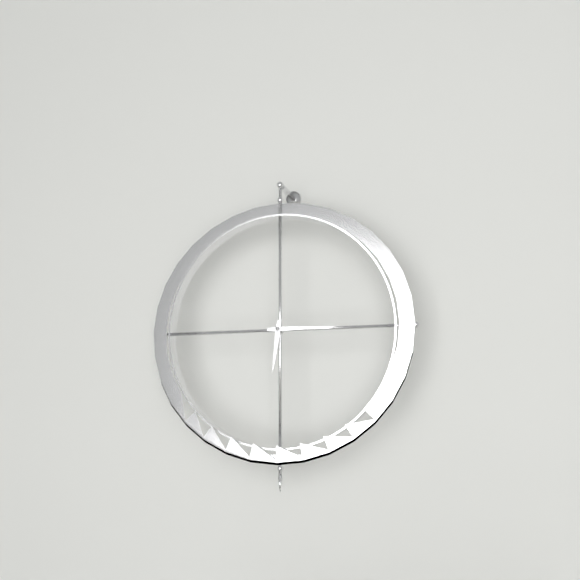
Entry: 6 h 15 min
